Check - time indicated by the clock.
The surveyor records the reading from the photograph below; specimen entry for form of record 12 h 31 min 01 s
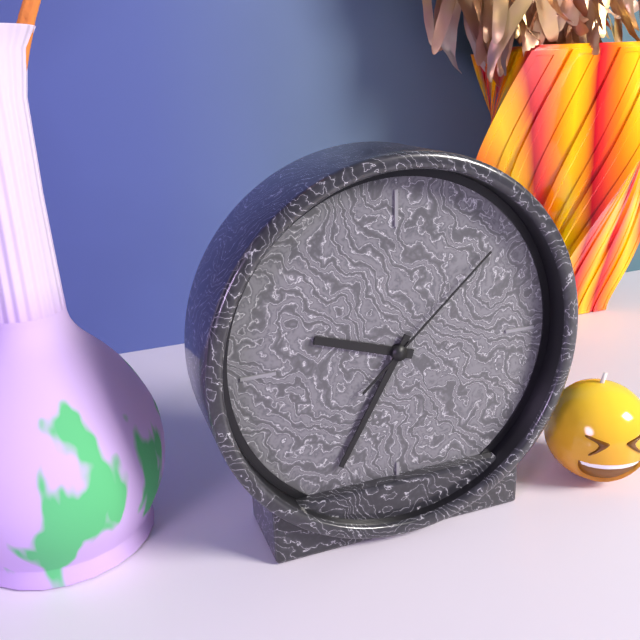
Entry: 9 h 35 min 08 s
